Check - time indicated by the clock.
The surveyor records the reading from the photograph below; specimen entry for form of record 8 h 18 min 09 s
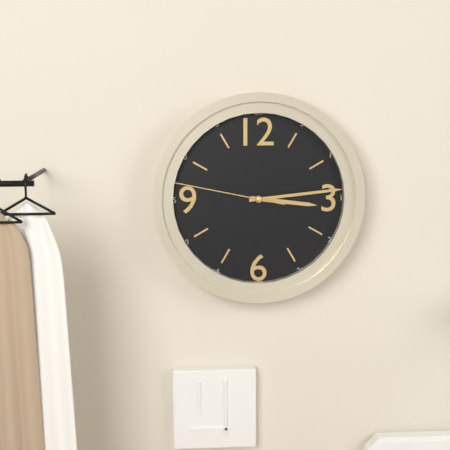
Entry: 3 h 14 min 47 s
